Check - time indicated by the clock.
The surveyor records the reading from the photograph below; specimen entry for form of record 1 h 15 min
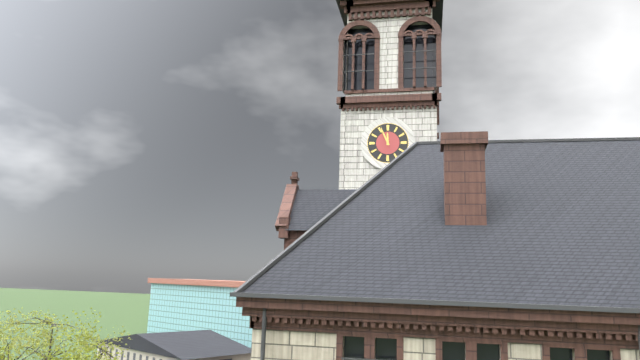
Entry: 11 h 56 min
